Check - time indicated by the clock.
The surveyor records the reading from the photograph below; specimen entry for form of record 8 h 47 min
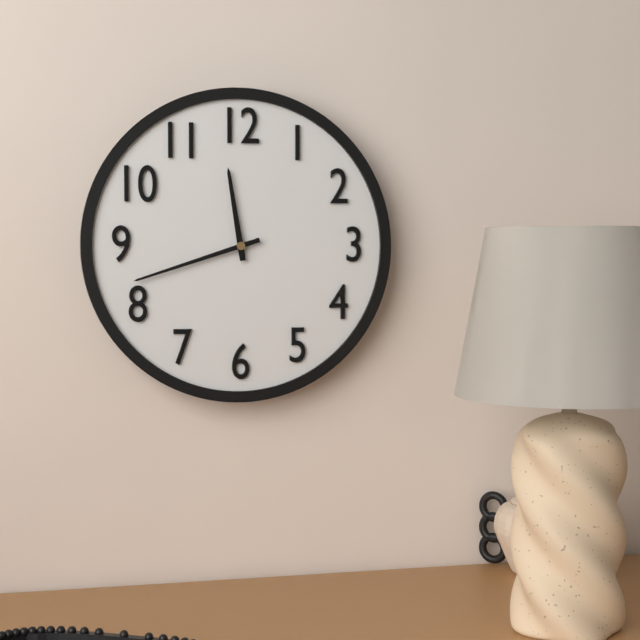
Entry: 11 h 42 min
